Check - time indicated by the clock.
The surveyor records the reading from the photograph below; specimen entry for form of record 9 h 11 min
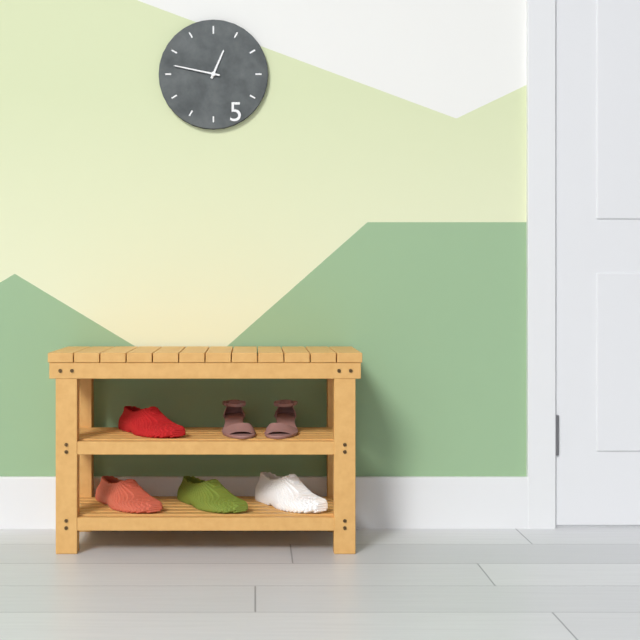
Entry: 12 h 47 min
